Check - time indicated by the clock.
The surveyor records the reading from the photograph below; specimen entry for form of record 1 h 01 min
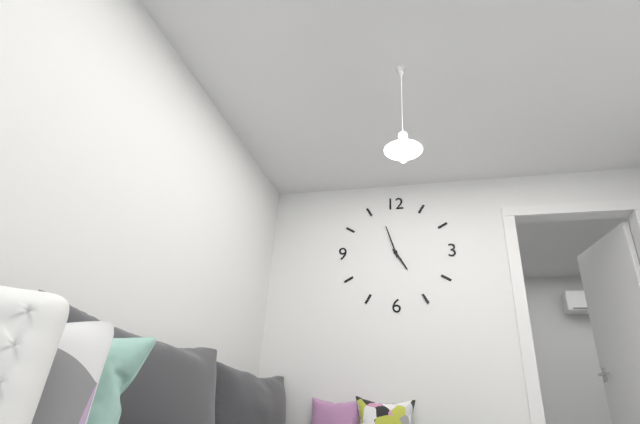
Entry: 4 h 57 min
